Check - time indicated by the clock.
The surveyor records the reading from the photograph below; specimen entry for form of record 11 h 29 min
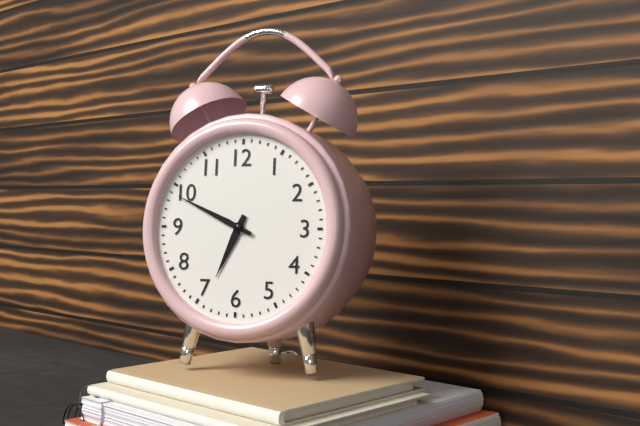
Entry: 6 h 49 min
